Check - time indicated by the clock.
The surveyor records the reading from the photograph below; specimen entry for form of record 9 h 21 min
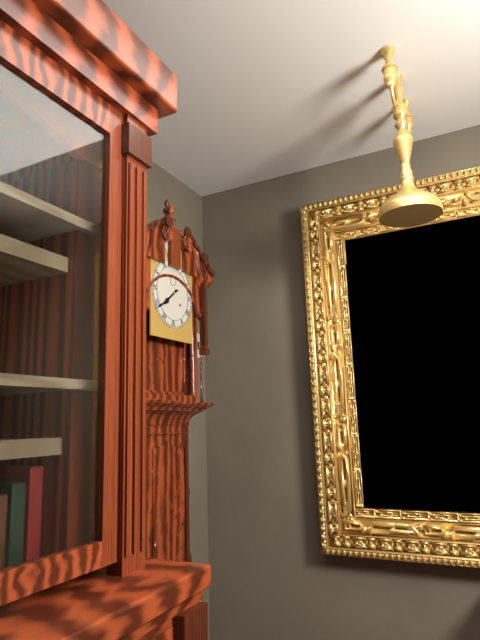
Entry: 7 h 39 min
